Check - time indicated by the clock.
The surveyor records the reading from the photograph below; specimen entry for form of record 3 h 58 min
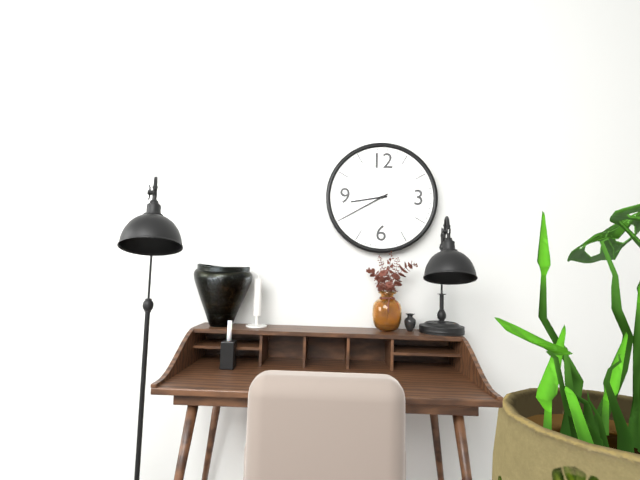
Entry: 8 h 40 min
